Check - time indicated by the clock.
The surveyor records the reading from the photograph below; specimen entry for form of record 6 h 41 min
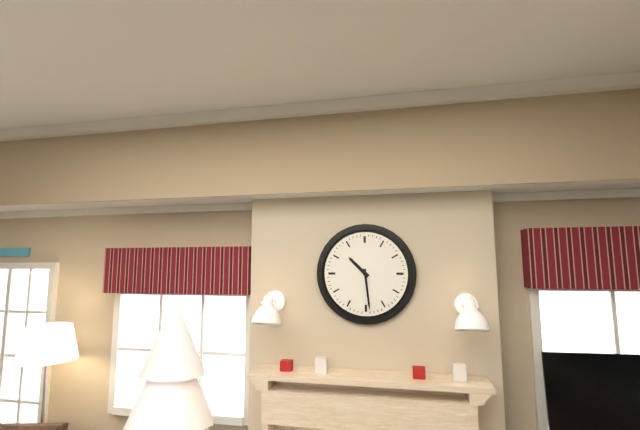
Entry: 10 h 29 min
